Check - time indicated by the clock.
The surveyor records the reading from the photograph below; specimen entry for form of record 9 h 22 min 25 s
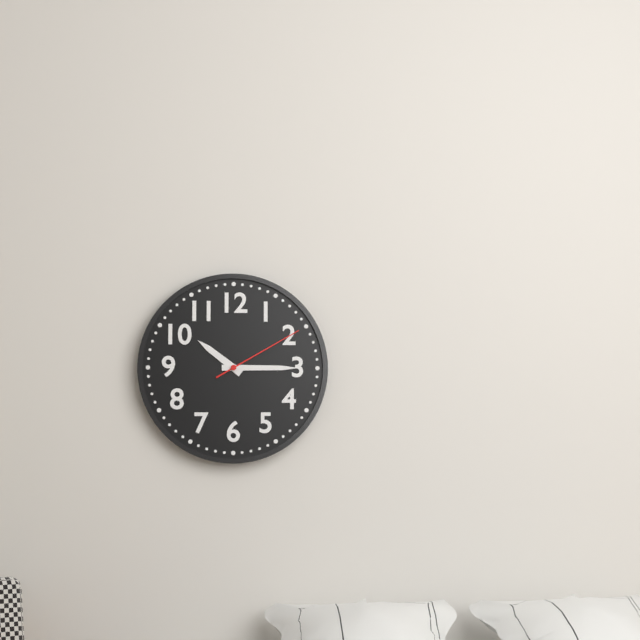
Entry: 10 h 15 min 10 s
